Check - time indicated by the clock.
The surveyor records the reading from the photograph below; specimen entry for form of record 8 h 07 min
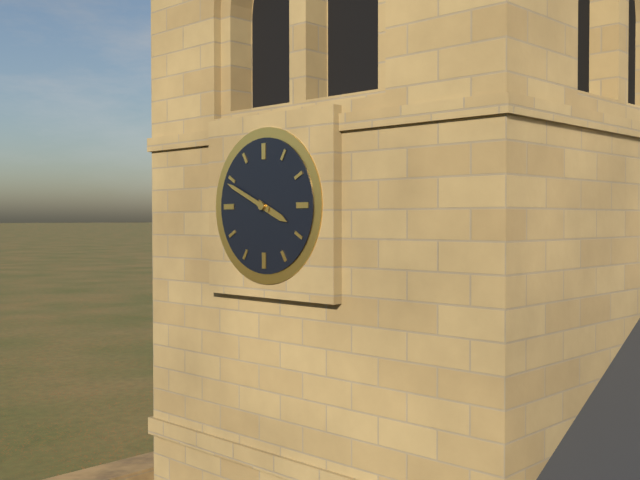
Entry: 3 h 49 min
